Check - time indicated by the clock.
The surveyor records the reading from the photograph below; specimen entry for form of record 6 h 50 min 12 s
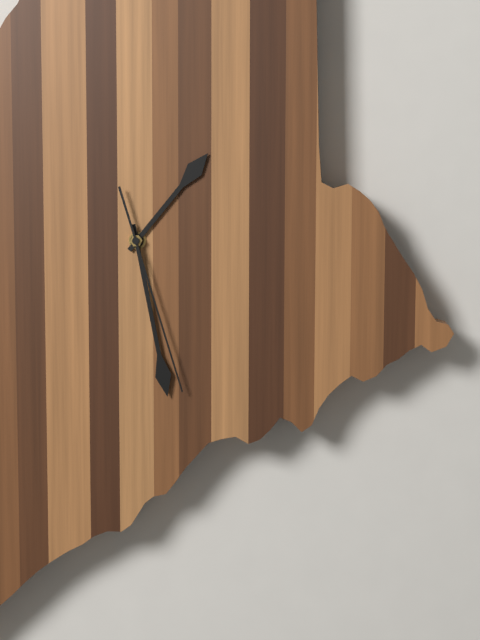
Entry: 1 h 29 min 28 s
